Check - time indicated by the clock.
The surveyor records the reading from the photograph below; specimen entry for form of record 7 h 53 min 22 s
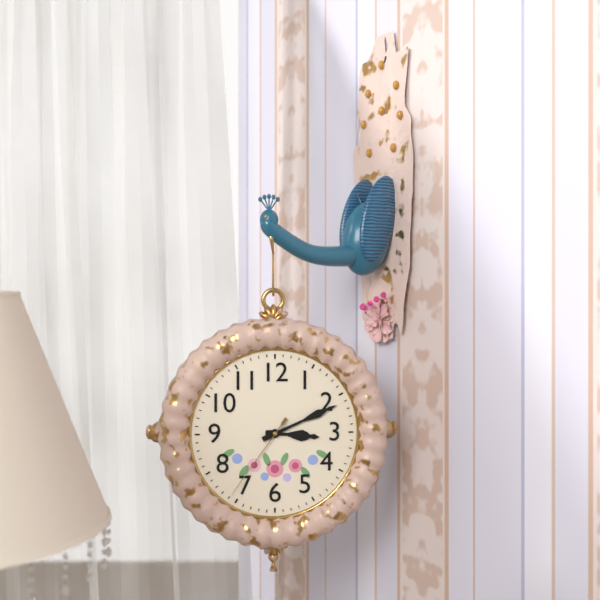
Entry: 3 h 11 min 36 s
